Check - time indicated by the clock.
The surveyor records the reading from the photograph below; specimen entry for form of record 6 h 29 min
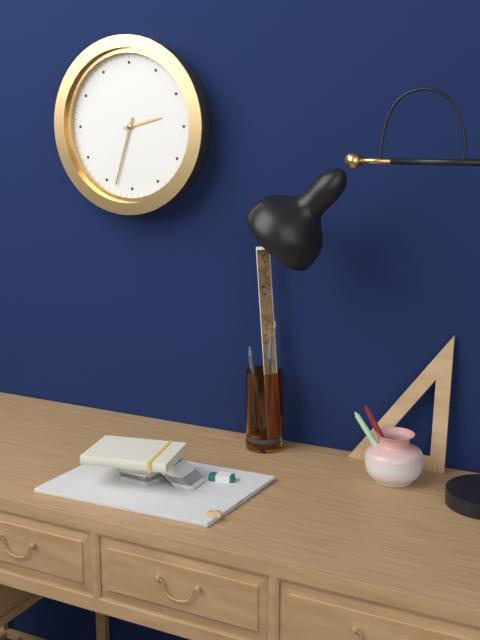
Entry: 2 h 33 min
